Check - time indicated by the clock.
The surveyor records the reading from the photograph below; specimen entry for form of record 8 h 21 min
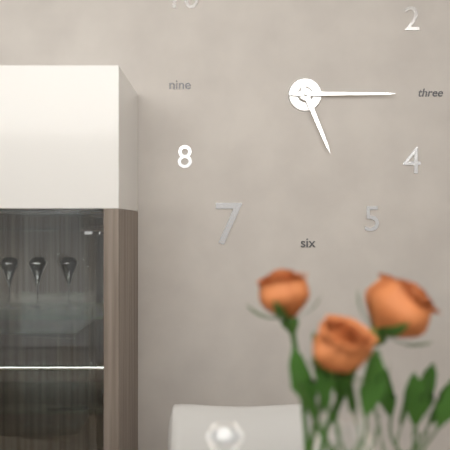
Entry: 5 h 15 min
